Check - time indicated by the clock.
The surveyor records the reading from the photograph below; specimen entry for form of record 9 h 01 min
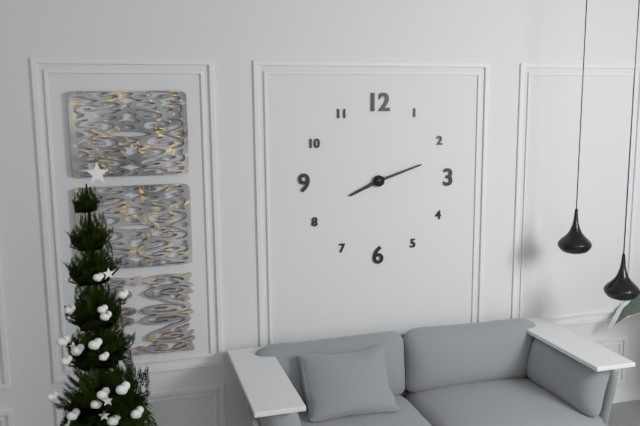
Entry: 8 h 12 min
